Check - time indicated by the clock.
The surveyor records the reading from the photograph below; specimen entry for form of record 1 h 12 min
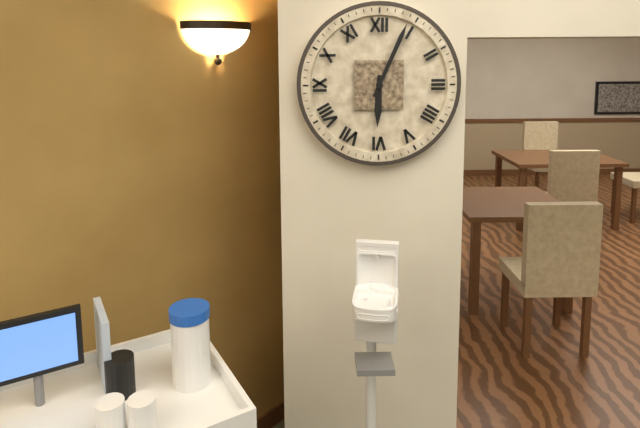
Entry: 6 h 04 min
